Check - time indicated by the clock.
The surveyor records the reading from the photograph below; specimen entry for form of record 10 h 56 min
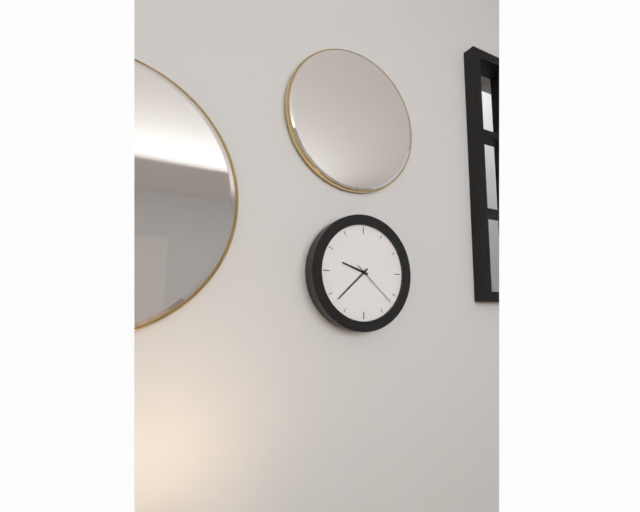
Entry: 9 h 38 min
